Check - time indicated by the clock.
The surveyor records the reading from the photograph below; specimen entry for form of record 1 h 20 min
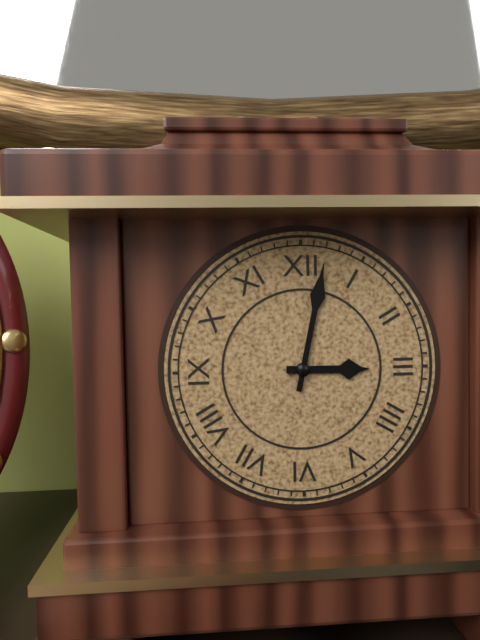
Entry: 3 h 02 min
